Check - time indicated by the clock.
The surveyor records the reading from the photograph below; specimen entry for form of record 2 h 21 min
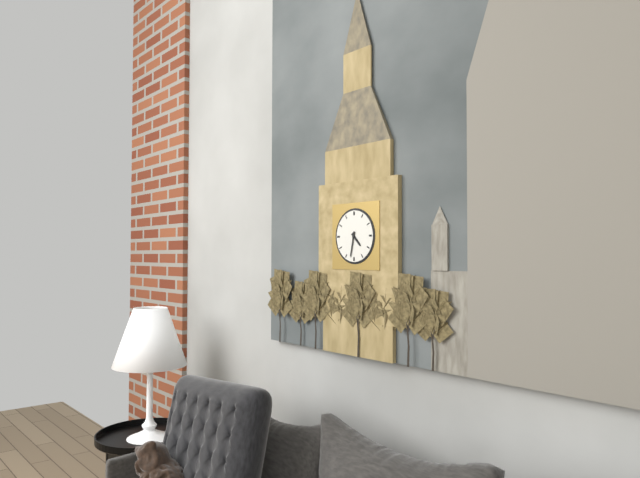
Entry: 4 h 32 min
